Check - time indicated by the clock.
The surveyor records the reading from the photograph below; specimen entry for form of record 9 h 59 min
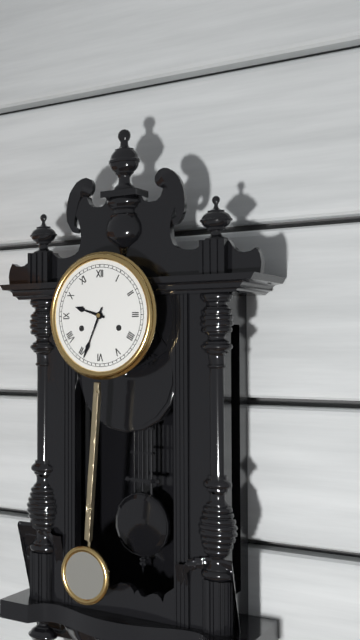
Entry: 9 h 34 min
